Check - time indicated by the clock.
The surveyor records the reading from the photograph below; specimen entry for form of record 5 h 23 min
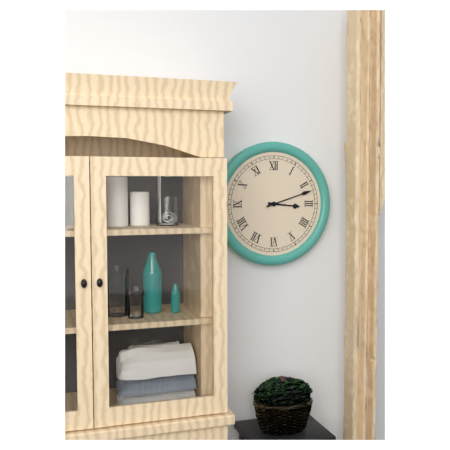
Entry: 3 h 12 min
